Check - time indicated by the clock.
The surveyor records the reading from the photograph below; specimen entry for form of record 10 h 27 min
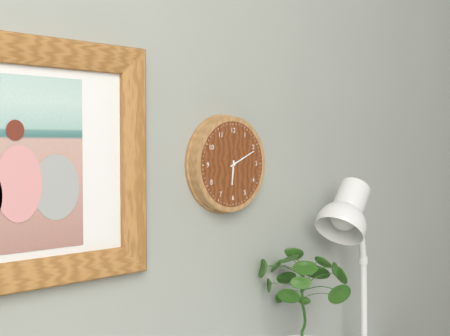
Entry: 6 h 11 min
